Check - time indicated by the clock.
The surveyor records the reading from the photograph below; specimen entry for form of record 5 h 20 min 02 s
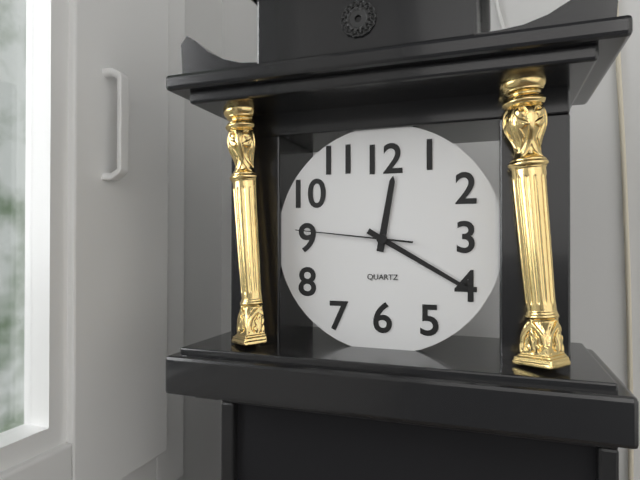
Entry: 12 h 20 min 46 s
